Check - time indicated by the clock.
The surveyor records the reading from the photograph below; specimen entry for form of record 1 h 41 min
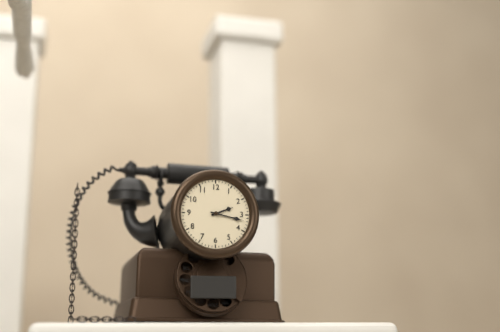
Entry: 2 h 17 min
